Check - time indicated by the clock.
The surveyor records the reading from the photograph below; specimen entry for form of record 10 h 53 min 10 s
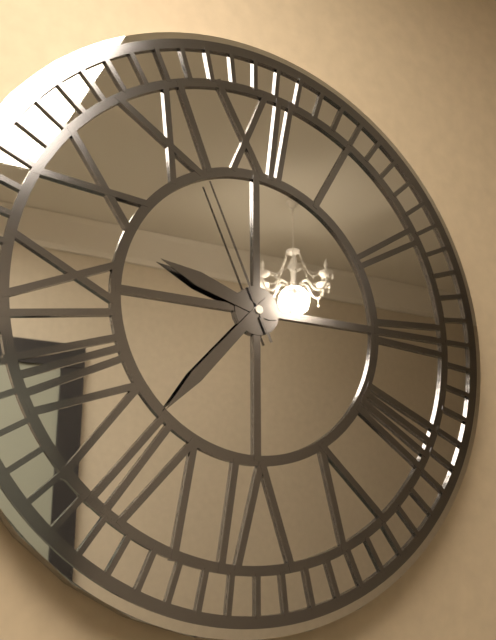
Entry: 9 h 37 min 56 s
